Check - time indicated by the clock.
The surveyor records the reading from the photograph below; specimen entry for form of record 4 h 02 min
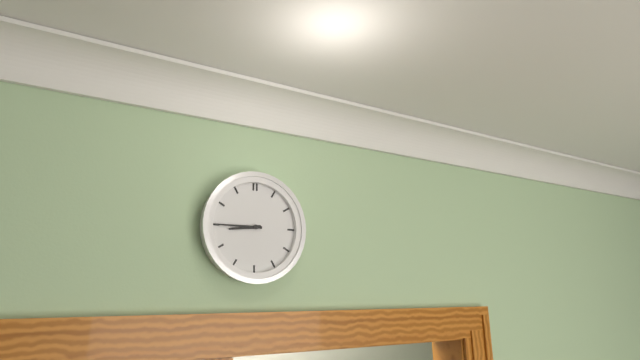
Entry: 8 h 45 min
